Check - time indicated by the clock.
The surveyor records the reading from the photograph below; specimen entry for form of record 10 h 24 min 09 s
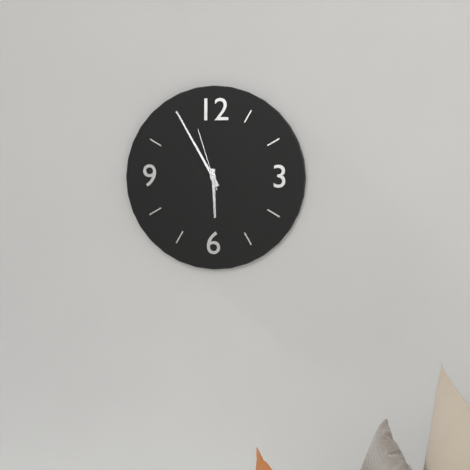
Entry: 5 h 55 min 57 s
